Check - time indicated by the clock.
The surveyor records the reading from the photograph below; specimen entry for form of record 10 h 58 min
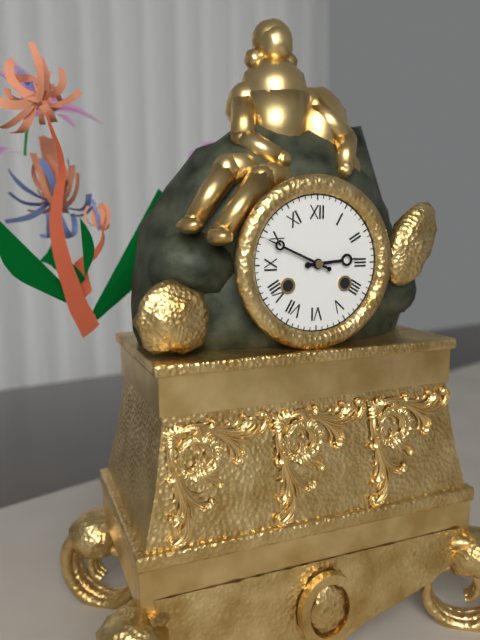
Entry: 2 h 49 min
